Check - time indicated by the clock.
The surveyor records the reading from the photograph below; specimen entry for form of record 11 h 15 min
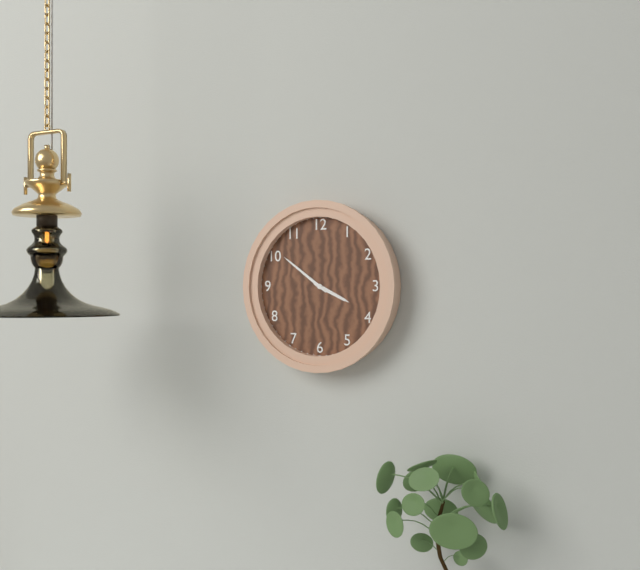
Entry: 3 h 51 min
